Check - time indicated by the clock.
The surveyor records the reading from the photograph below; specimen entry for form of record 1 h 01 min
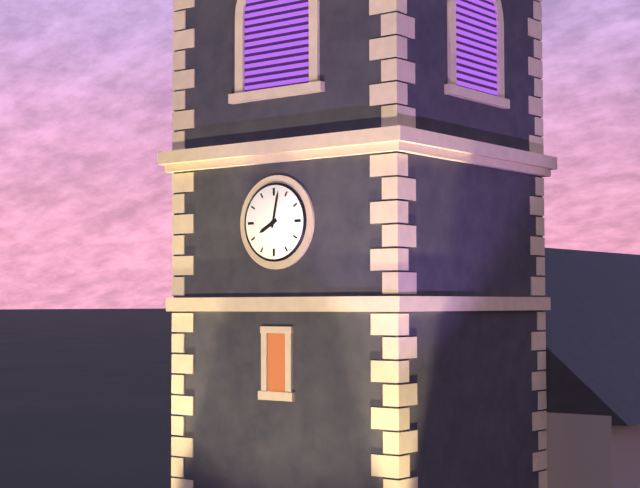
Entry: 8 h 02 min
